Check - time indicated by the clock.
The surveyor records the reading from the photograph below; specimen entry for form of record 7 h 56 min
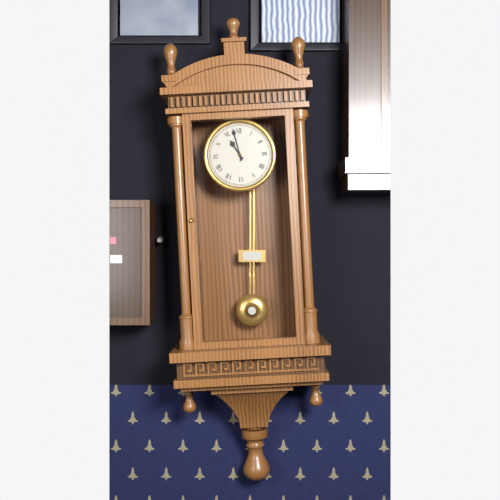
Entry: 10 h 58 min
